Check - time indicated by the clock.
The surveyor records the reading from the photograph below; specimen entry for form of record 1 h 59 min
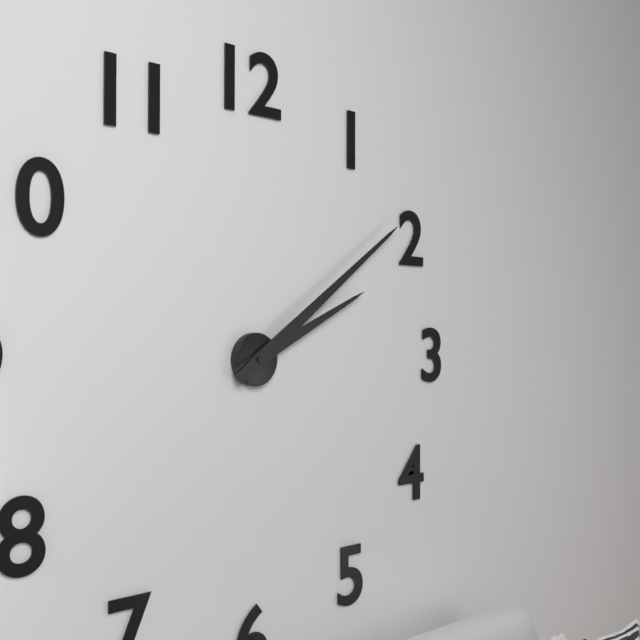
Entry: 2 h 09 min
